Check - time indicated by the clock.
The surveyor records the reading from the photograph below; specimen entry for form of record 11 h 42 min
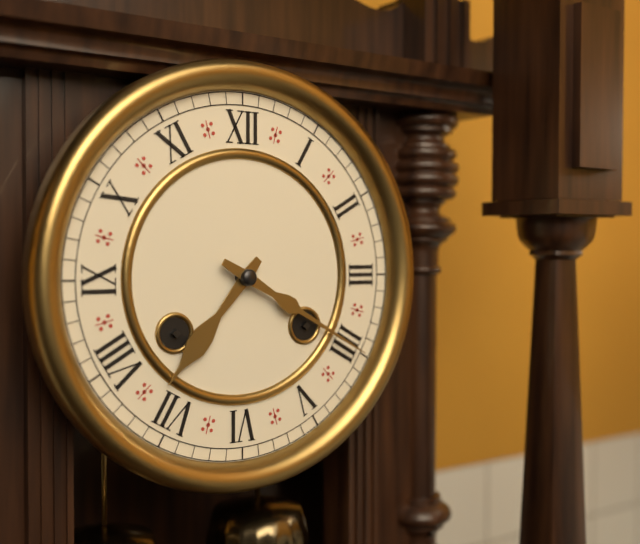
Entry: 7 h 20 min
